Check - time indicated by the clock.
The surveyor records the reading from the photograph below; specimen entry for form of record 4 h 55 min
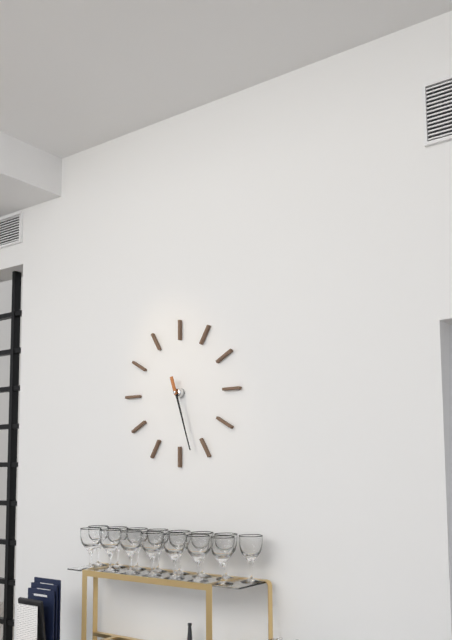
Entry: 5 h 27 min
